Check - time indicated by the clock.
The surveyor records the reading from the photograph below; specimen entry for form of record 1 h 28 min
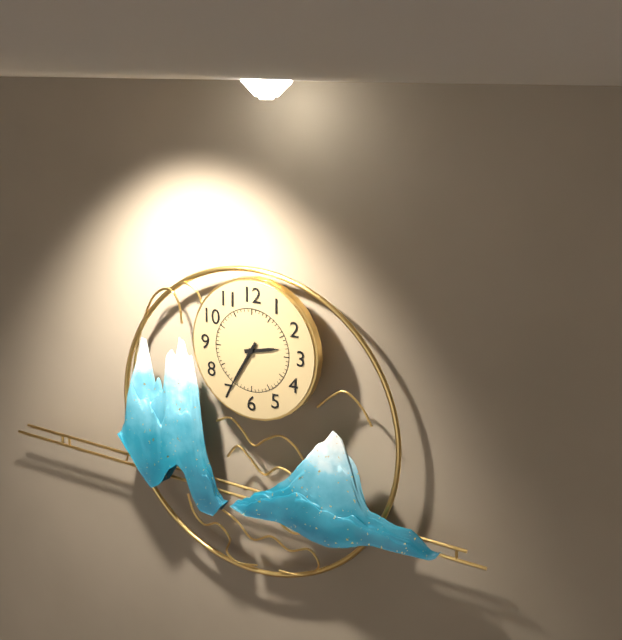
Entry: 2 h 35 min
